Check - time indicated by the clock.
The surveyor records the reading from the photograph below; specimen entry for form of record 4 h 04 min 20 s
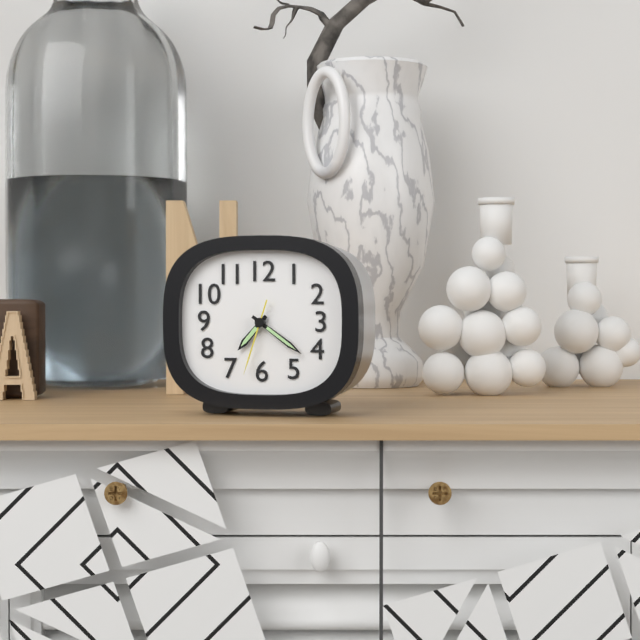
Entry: 7 h 21 min 33 s
